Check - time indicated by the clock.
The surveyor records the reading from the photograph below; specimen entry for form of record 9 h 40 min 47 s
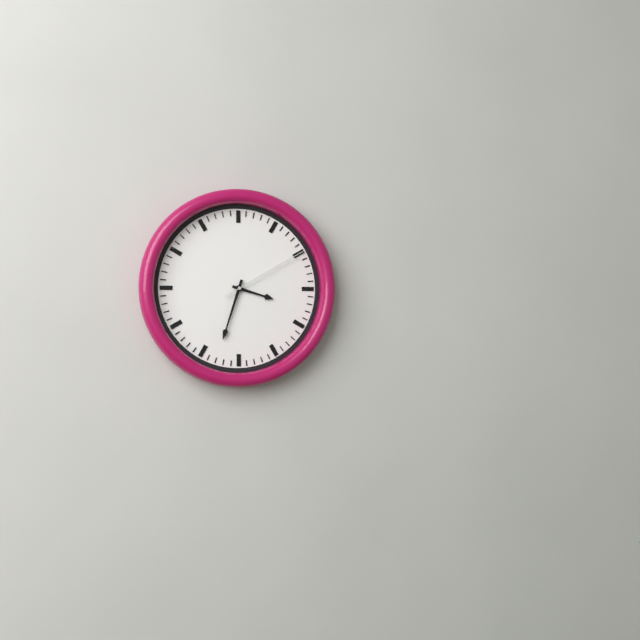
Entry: 3 h 33 min 10 s
